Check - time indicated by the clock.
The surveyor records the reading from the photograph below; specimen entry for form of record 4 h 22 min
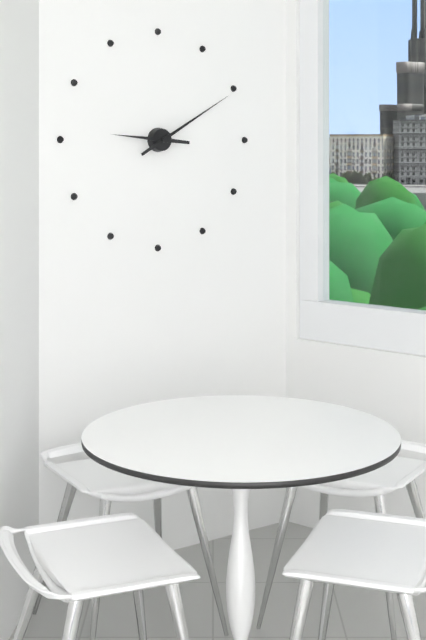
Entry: 9 h 10 min
